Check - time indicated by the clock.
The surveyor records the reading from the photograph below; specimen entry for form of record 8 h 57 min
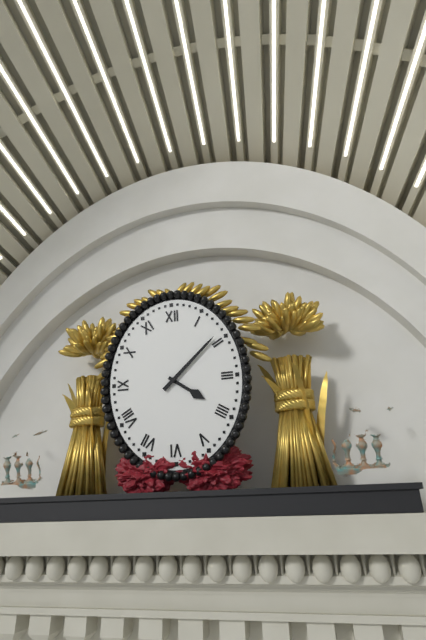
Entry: 4 h 08 min
